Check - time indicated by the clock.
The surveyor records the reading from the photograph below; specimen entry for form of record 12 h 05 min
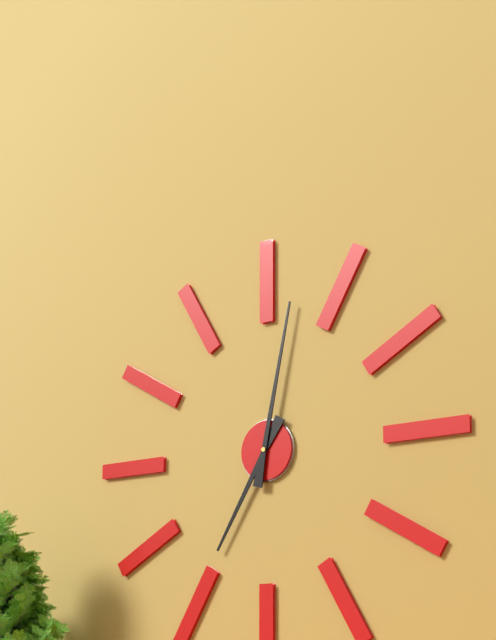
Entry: 7 h 02 min
